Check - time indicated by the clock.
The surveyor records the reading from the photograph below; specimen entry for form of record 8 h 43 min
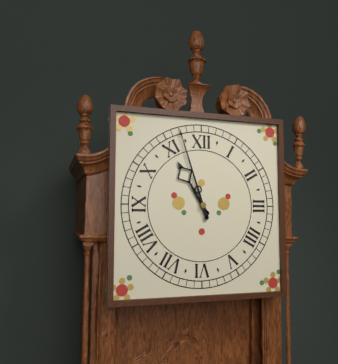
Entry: 10 h 57 min
